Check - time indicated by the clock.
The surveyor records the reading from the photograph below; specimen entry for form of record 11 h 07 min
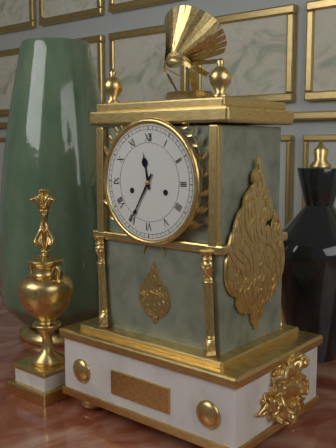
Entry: 11 h 35 min
